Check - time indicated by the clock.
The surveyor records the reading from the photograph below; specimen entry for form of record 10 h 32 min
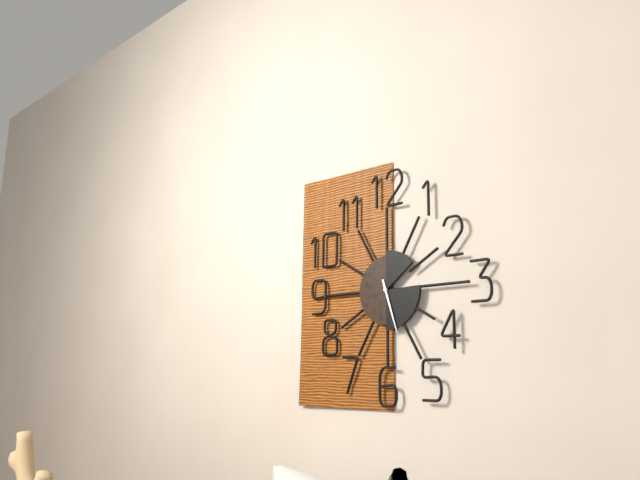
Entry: 5 h 27 min
